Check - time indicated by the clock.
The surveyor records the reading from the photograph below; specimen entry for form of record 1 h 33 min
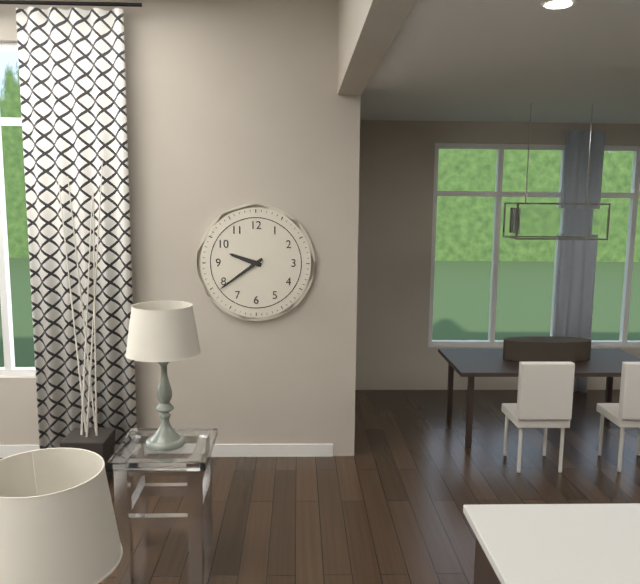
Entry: 9 h 39 min
